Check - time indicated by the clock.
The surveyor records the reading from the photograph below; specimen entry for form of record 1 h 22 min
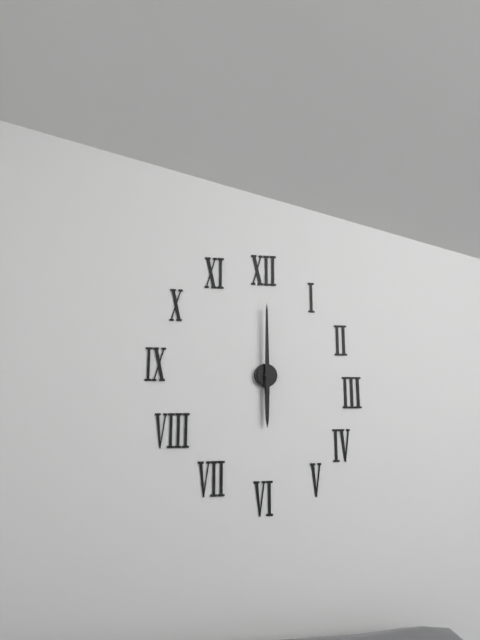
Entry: 6 h 00 min
